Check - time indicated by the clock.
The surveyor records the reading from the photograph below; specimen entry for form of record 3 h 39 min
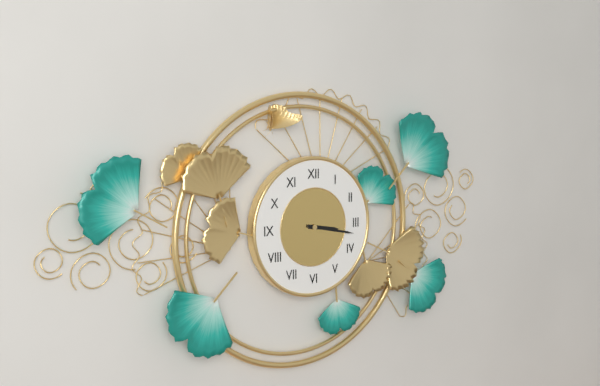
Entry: 3 h 17 min
